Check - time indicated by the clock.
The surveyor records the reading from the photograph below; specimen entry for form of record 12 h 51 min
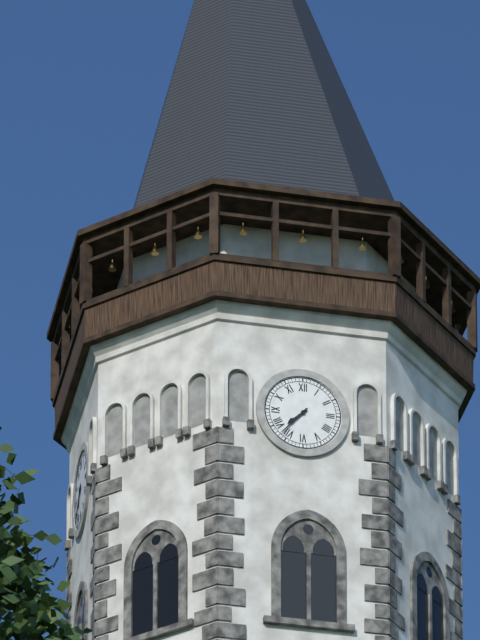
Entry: 7 h 37 min
